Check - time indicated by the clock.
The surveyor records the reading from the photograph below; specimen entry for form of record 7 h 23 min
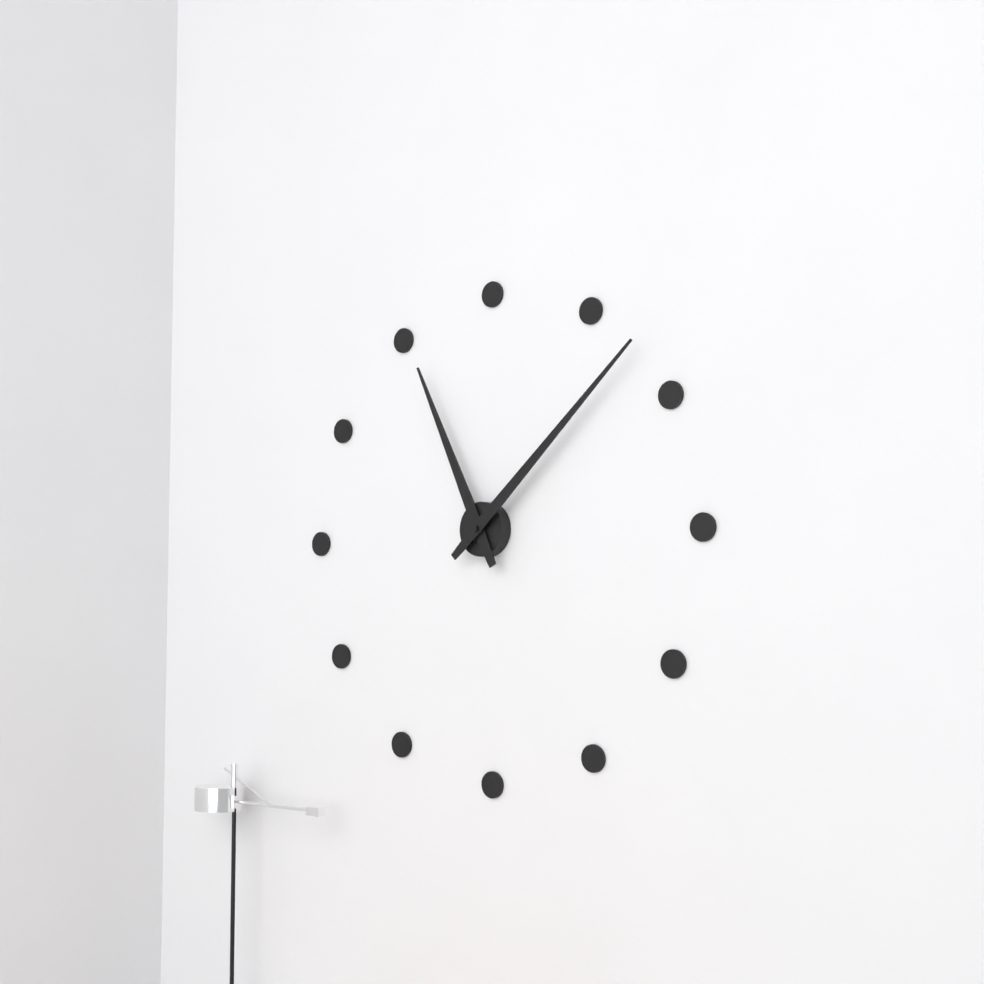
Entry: 11 h 08 min
